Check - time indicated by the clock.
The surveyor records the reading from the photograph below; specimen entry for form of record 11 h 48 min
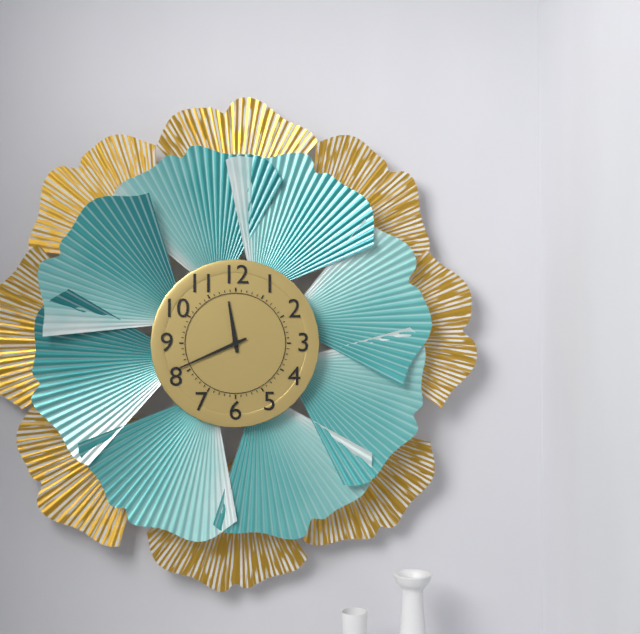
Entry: 11 h 41 min
